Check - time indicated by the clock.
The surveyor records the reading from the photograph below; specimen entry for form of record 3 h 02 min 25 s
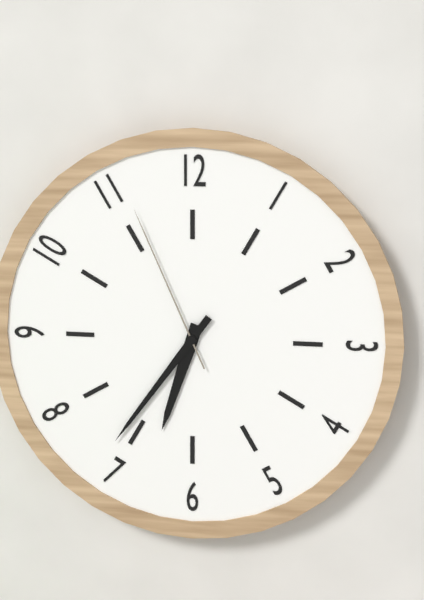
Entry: 6 h 36 min 56 s
